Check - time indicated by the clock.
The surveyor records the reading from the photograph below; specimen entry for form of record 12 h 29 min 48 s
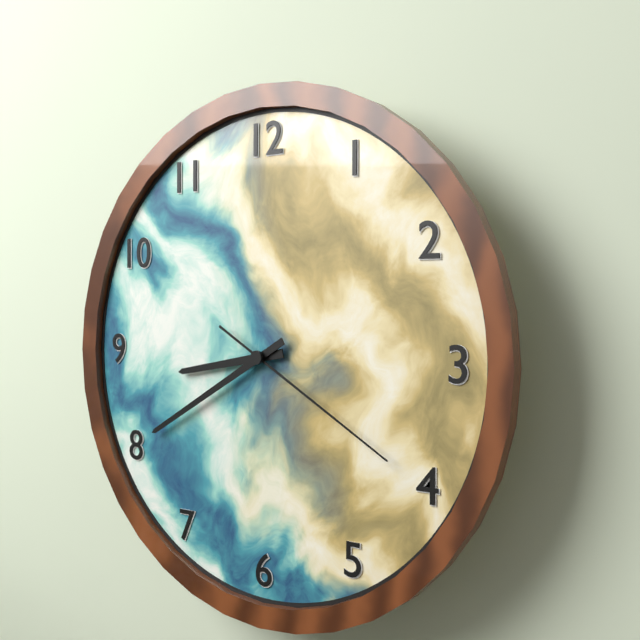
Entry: 8 h 40 min 20 s
